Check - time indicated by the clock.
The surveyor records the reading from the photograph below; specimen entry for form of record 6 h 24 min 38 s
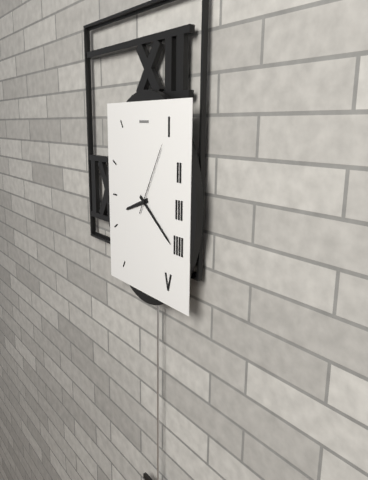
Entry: 8 h 21 min 05 s
